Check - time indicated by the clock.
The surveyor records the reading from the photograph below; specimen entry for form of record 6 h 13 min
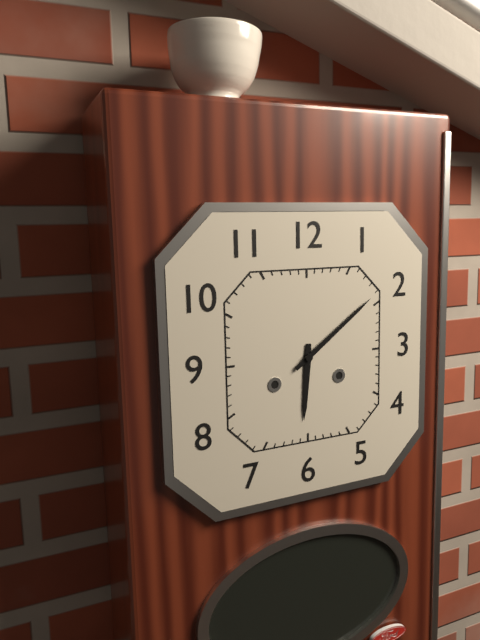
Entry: 6 h 09 min
